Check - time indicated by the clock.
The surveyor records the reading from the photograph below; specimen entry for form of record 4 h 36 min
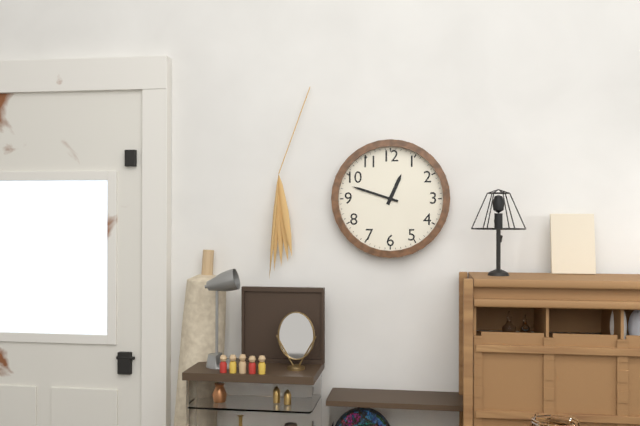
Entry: 12 h 48 min
